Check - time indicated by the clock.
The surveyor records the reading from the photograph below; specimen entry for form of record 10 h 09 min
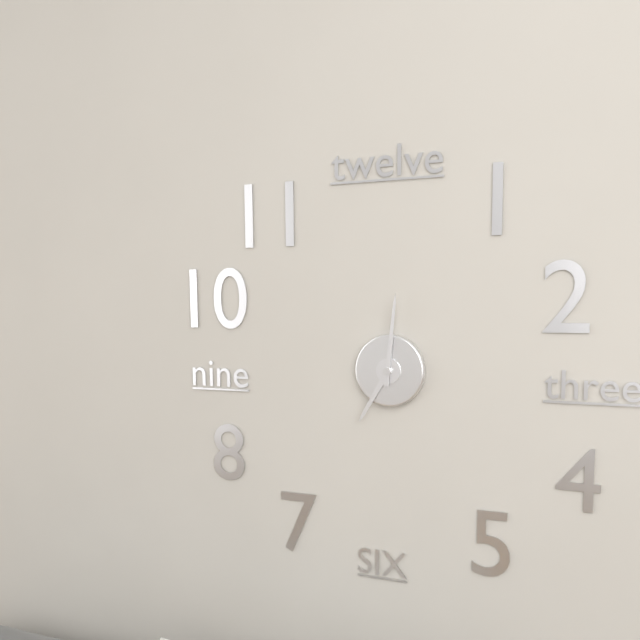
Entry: 7 h 01 min
